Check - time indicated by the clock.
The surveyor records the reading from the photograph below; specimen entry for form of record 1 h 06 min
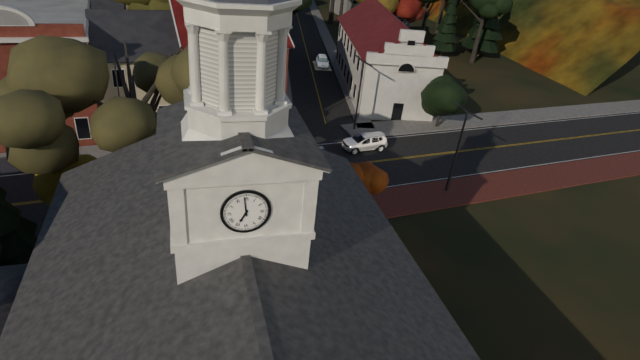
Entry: 6 h 59 min
